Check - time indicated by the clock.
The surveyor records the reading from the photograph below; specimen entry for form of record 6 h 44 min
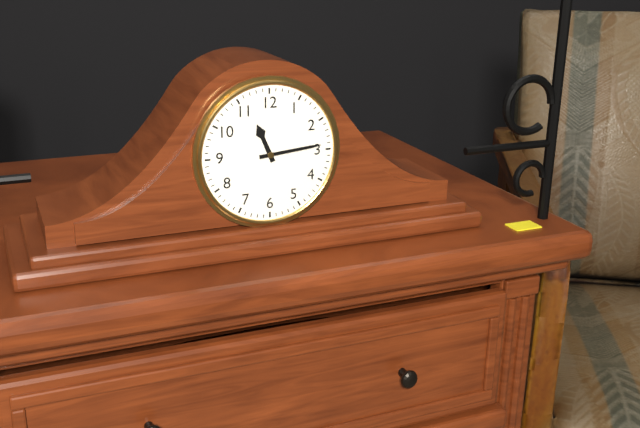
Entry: 11 h 14 min
